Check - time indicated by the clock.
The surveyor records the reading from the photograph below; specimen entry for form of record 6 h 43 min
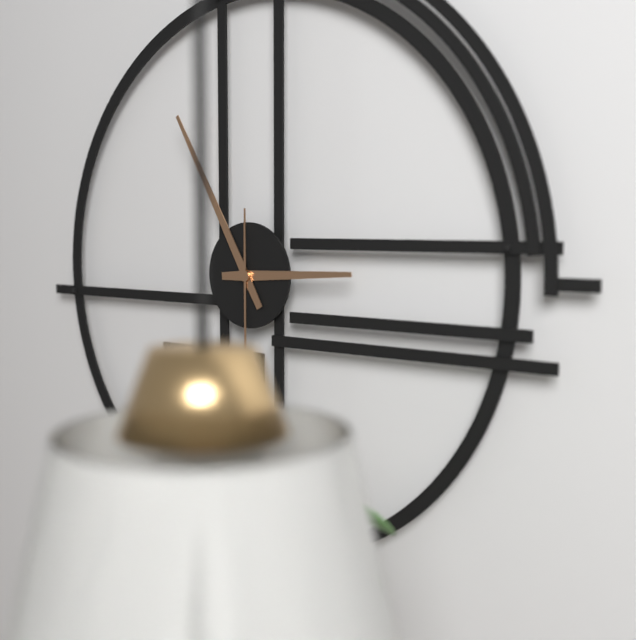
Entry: 2 h 55 min
